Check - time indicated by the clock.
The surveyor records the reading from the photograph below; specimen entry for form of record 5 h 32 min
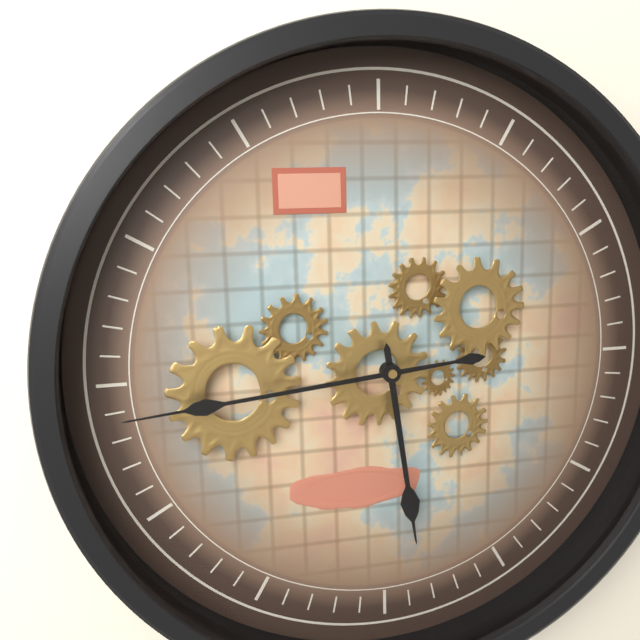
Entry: 5 h 44 min
